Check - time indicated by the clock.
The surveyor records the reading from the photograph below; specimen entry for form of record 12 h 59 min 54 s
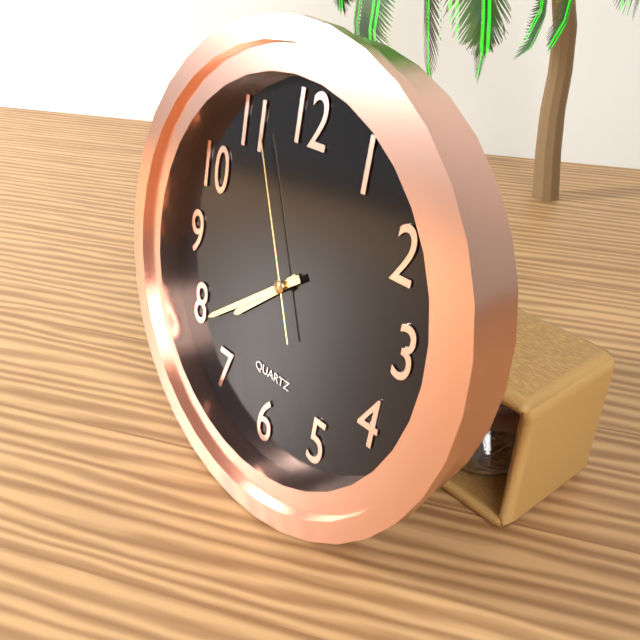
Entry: 7 h 39 min 56 s
